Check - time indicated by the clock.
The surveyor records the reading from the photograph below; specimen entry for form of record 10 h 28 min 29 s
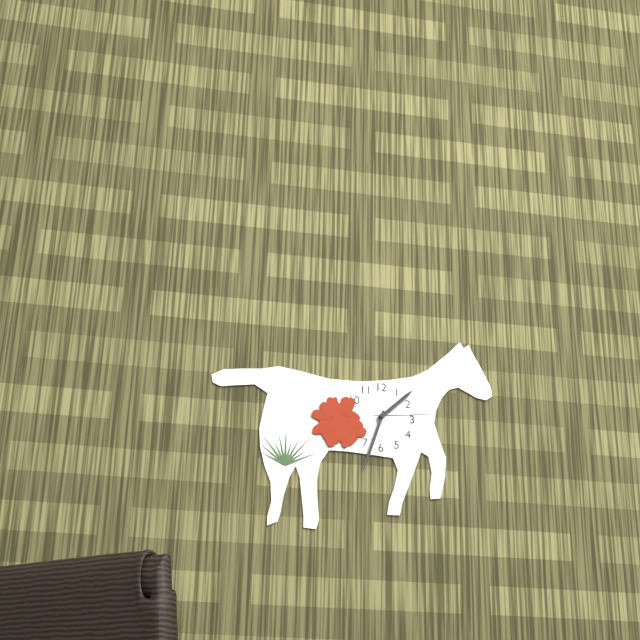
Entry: 1 h 33 min 14 s
